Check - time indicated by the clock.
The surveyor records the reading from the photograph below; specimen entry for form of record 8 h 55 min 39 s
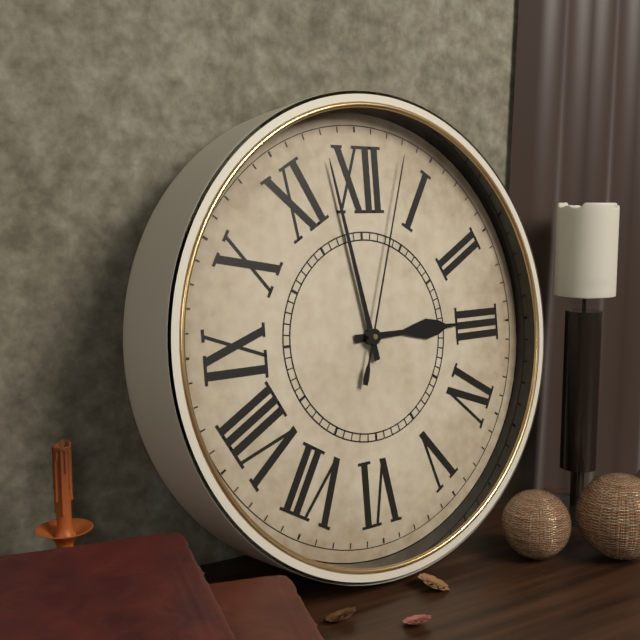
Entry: 2 h 58 min 03 s
